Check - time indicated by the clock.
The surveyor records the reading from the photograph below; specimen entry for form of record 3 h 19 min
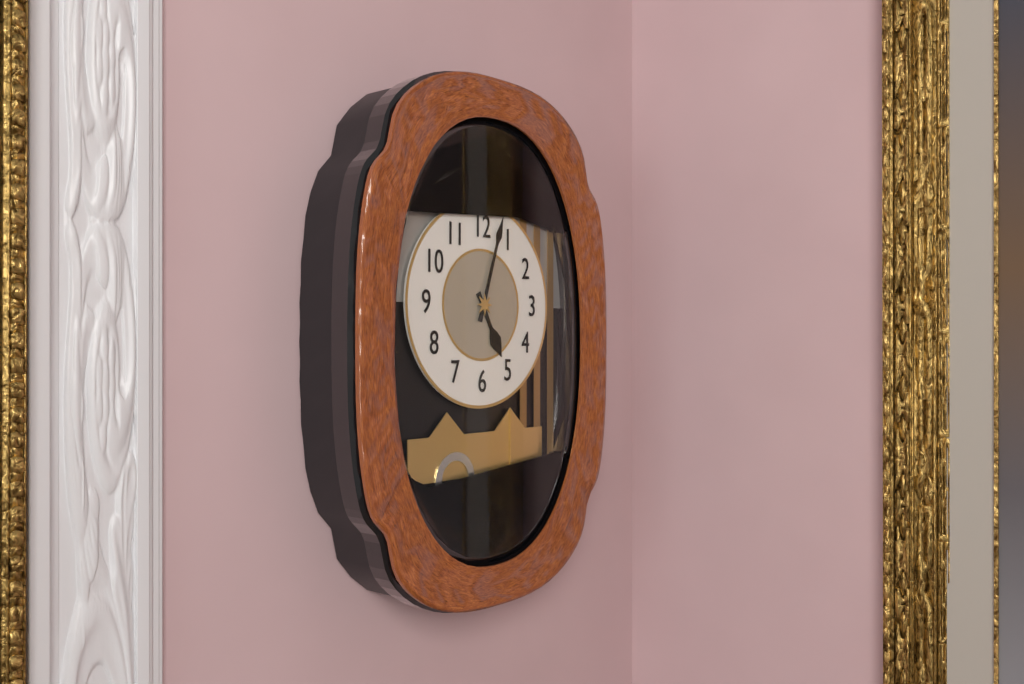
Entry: 5 h 03 min
